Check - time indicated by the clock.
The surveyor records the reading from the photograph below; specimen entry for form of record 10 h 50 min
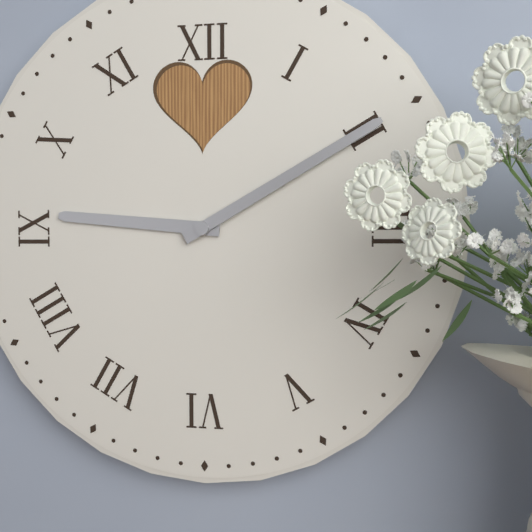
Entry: 9 h 10 min
